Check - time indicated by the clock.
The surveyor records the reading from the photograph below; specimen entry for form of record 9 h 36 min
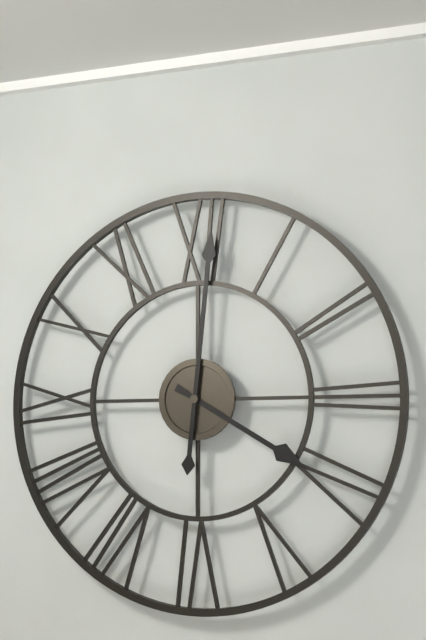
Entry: 4 h 01 min
